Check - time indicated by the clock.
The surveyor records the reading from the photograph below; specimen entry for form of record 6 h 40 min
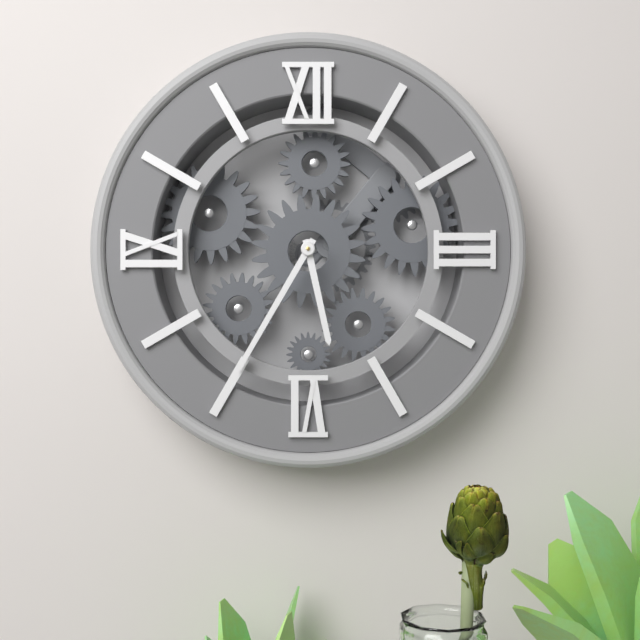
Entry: 5 h 35 min
